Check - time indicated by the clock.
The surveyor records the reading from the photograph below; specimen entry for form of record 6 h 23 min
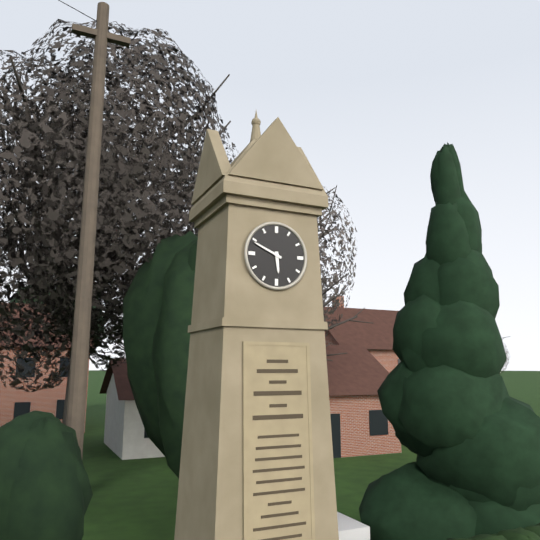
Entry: 5 h 49 min
